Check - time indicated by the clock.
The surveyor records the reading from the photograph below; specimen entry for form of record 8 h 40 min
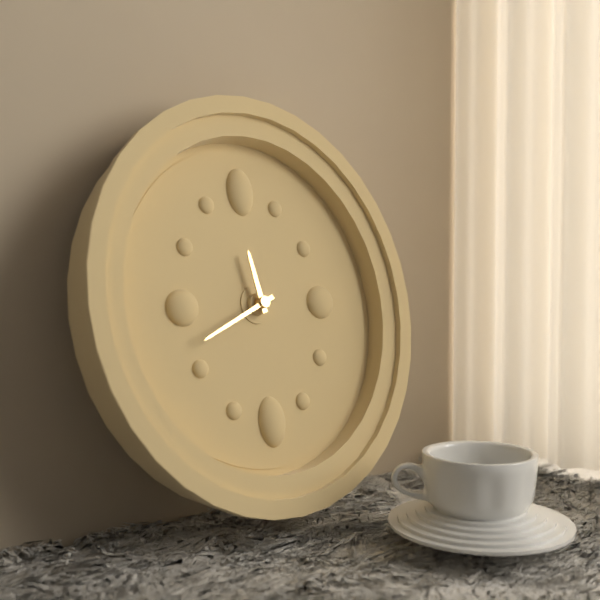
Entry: 11 h 41 min
